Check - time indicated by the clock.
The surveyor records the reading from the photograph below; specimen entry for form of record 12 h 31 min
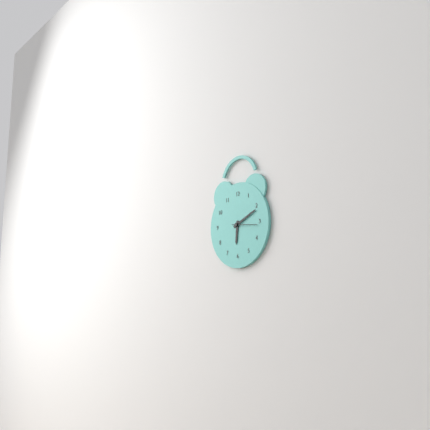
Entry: 6 h 11 min
